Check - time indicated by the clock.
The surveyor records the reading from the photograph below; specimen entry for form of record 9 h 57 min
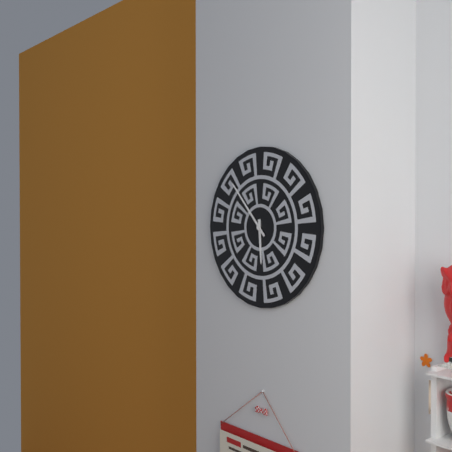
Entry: 5 h 53 min
